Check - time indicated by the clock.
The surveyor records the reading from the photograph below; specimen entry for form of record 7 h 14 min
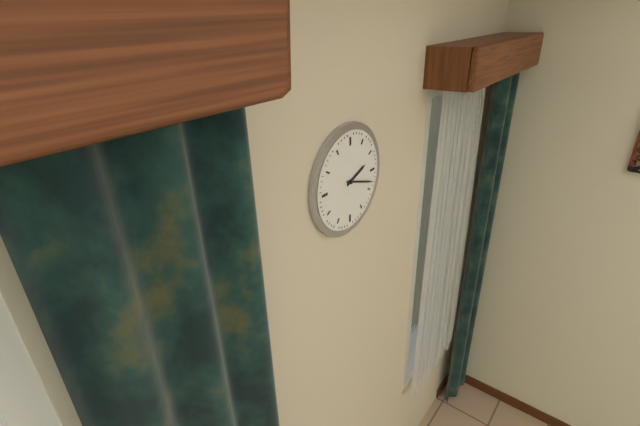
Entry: 2 h 18 min
